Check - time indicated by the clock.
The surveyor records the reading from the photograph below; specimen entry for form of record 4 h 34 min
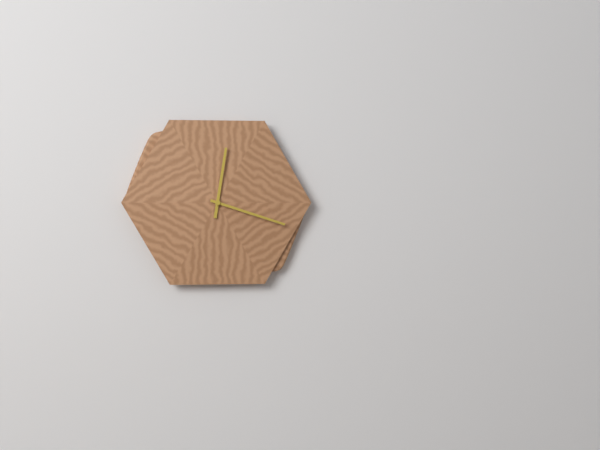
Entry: 12 h 18 min
